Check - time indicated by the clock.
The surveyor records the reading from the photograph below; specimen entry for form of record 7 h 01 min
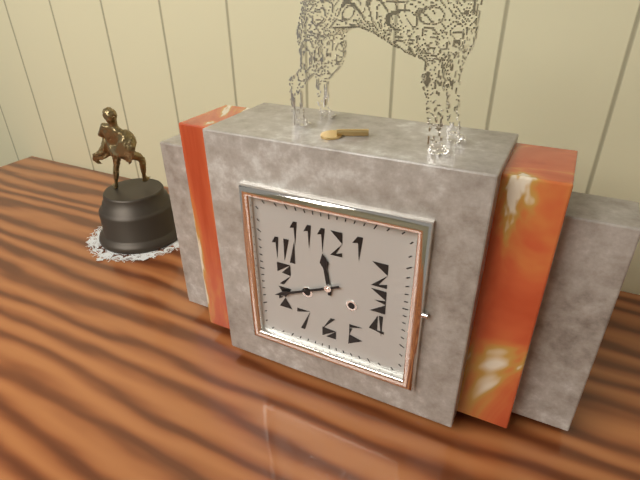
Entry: 11 h 41 min
